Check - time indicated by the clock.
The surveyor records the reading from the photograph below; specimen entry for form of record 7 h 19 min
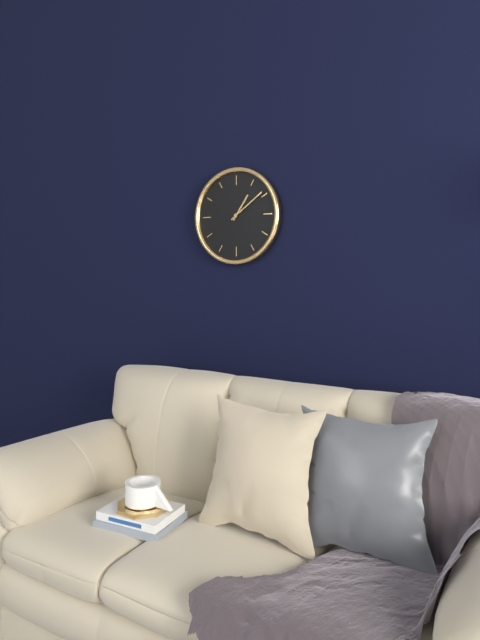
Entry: 1 h 09 min
